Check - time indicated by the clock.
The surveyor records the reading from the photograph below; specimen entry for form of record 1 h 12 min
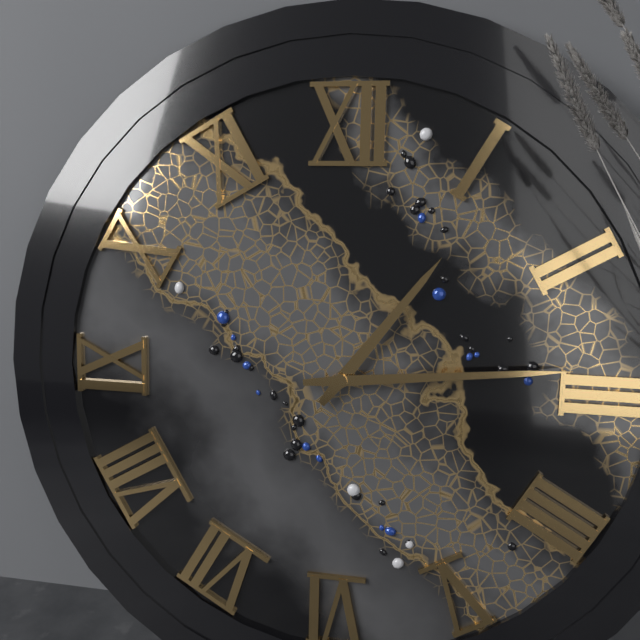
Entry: 1 h 14 min
